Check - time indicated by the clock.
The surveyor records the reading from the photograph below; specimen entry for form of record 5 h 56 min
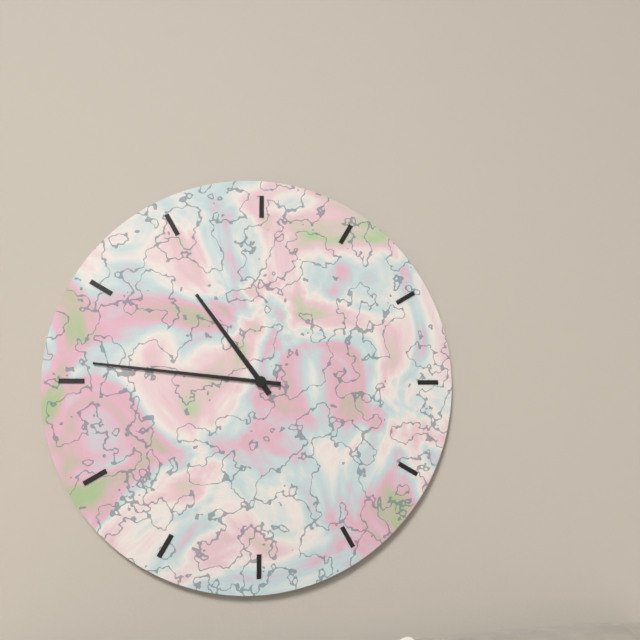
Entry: 10 h 46 min
